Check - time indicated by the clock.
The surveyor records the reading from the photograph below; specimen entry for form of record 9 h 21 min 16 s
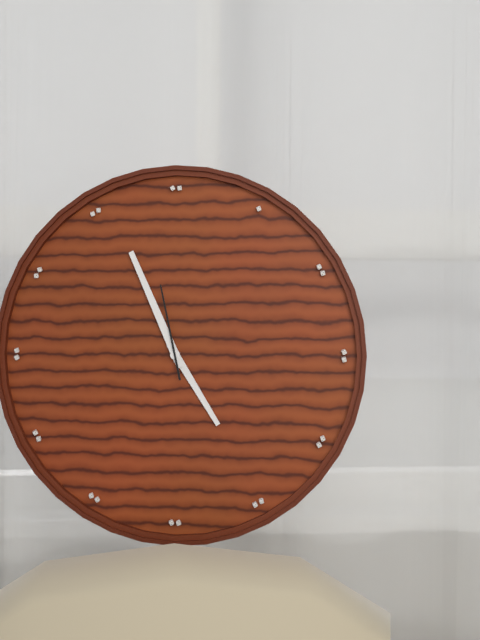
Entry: 4 h 56 min 58 s
